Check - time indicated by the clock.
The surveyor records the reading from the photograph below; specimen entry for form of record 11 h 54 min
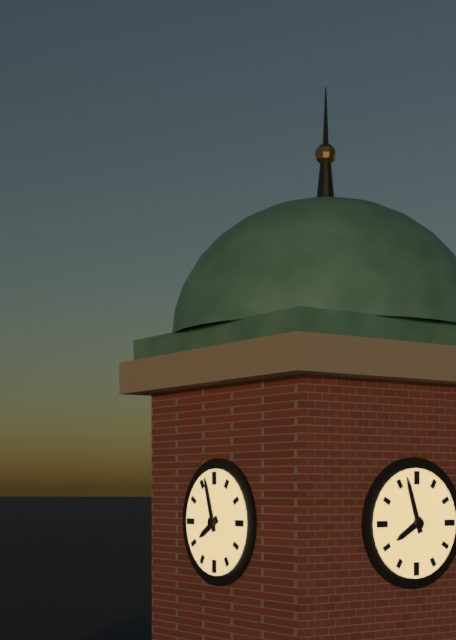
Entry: 7 h 57 min
